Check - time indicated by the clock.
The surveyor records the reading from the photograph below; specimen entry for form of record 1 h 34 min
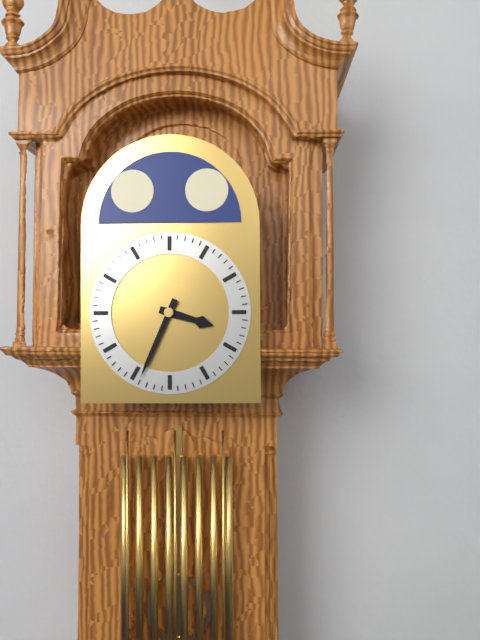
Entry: 3 h 34 min
